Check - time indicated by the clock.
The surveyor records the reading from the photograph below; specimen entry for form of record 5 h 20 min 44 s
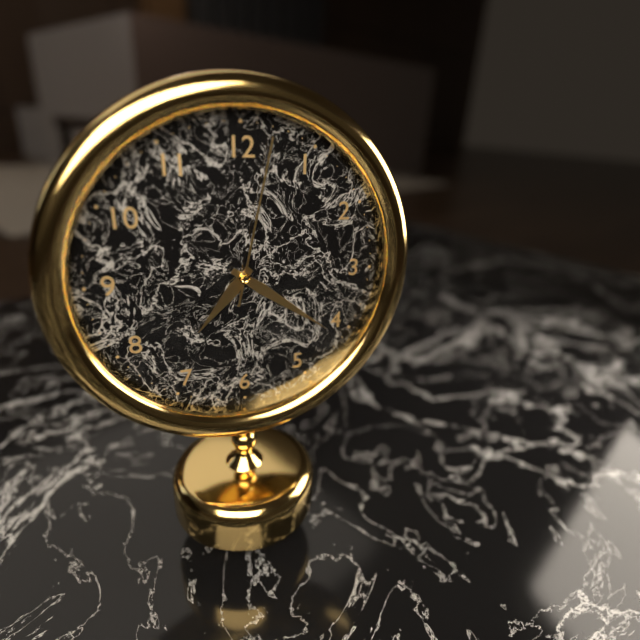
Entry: 7 h 21 min 02 s
